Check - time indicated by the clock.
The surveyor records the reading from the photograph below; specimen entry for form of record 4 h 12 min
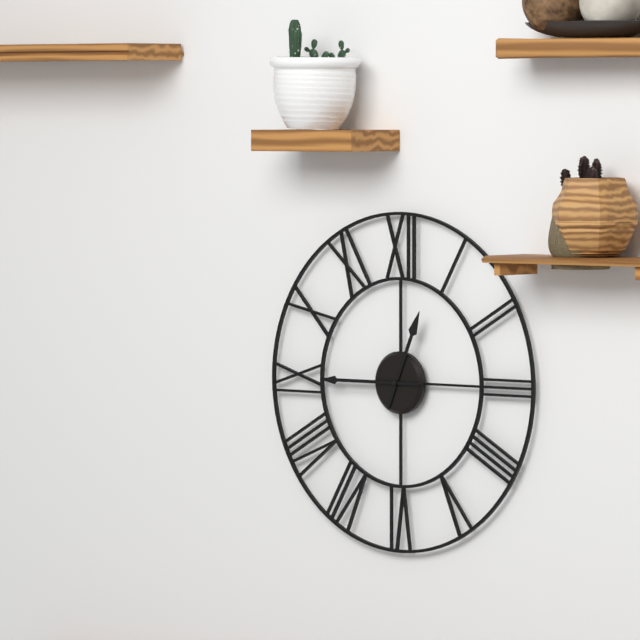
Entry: 12 h 45 min
